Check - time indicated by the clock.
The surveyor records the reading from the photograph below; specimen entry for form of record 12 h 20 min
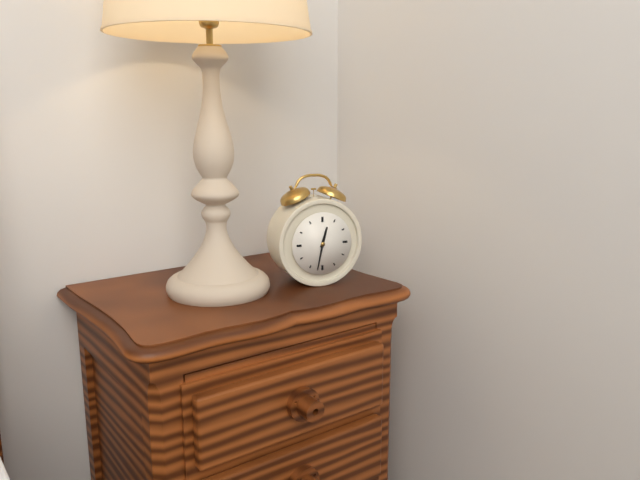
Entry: 12 h 32 min
